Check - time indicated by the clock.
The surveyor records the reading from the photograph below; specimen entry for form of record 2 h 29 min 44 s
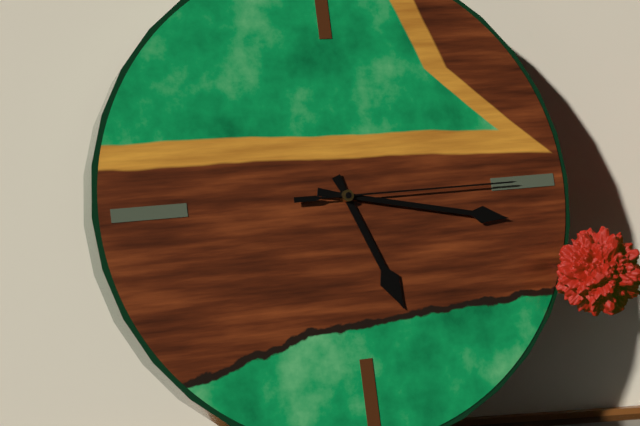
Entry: 5 h 17 min 15 s
